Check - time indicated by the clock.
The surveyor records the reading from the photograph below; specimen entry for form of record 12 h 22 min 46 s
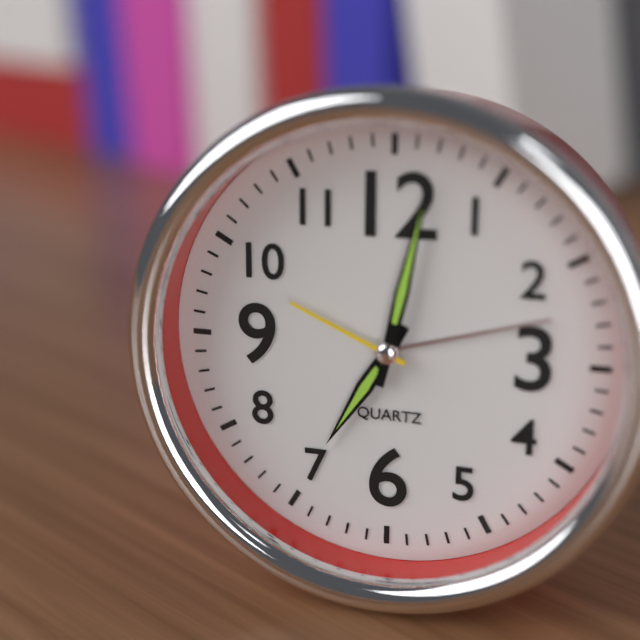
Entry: 7 h 02 min 49 s
